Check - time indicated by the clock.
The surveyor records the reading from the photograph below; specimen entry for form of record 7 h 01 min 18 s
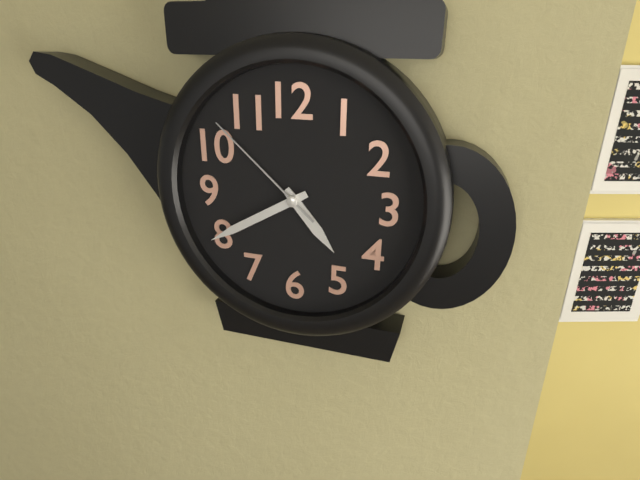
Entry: 4 h 40 min 52 s
